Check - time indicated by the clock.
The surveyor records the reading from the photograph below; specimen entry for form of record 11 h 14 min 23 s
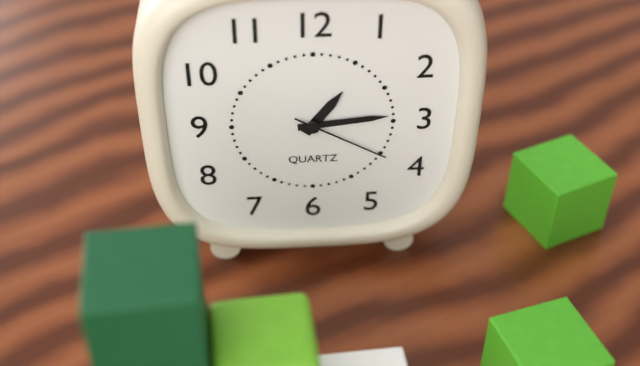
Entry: 1 h 14 min 20 s
